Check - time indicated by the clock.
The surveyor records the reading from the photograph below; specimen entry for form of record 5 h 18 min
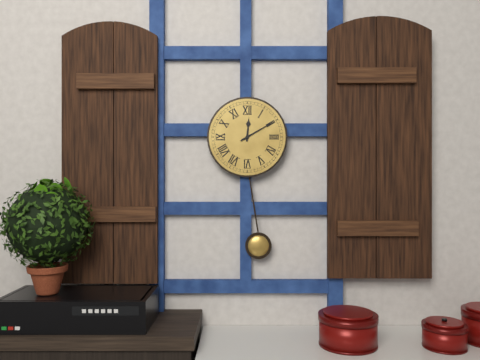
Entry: 12 h 10 min
